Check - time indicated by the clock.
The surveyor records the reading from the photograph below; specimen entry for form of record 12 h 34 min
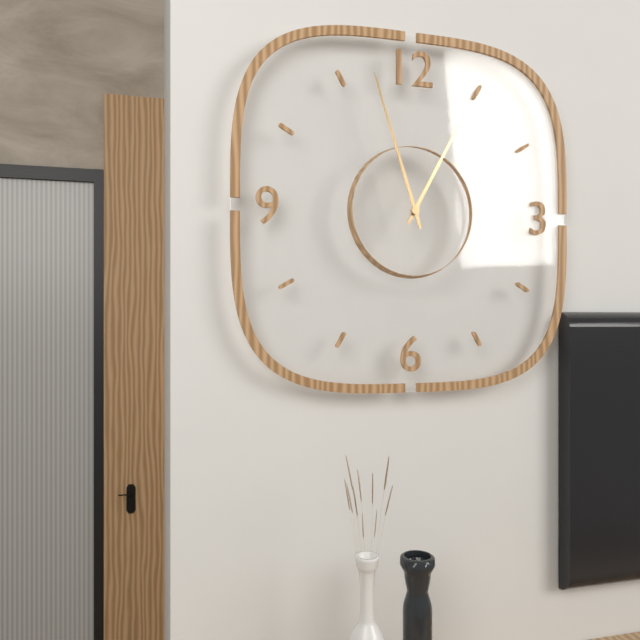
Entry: 12 h 57 min
